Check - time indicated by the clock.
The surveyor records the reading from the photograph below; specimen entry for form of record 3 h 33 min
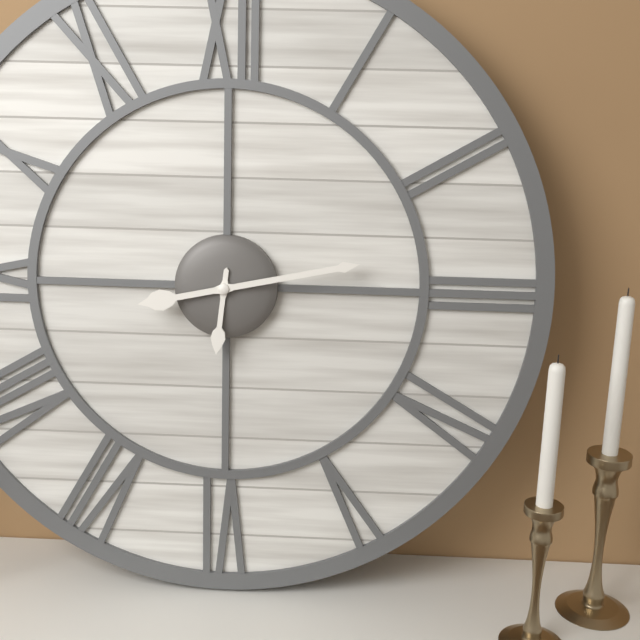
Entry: 6 h 13 min
